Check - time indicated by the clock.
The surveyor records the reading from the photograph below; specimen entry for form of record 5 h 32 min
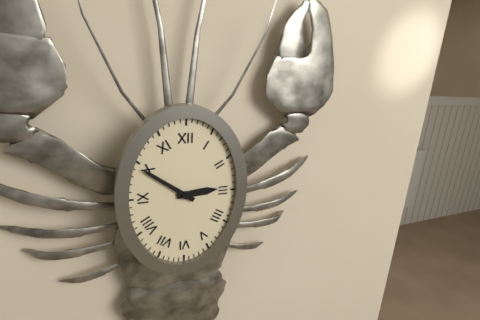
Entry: 2 h 51 min
